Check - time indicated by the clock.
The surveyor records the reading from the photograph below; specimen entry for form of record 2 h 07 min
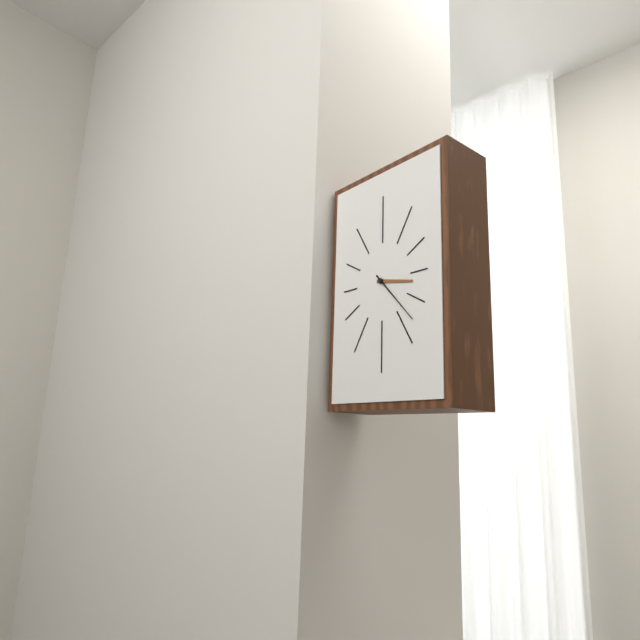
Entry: 3 h 23 min
